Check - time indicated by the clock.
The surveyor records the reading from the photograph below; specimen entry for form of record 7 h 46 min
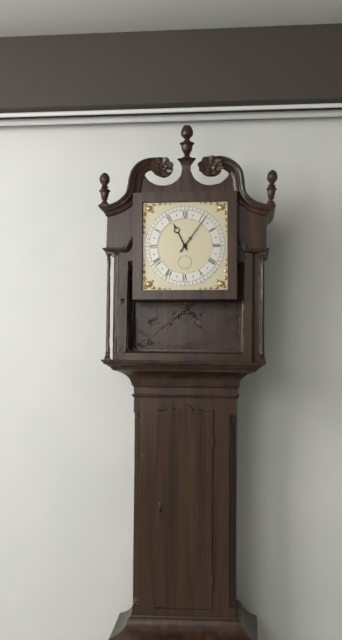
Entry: 11 h 06 min
